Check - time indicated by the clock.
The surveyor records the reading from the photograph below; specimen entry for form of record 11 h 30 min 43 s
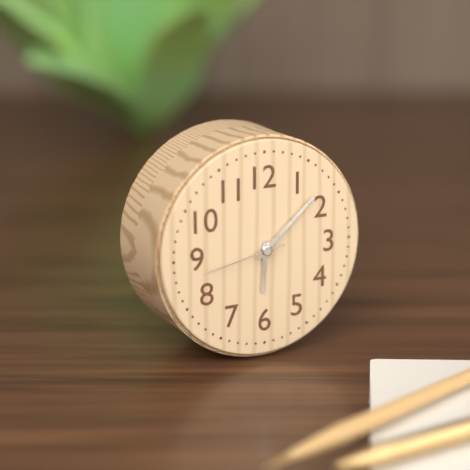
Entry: 6 h 08 min 43 s
